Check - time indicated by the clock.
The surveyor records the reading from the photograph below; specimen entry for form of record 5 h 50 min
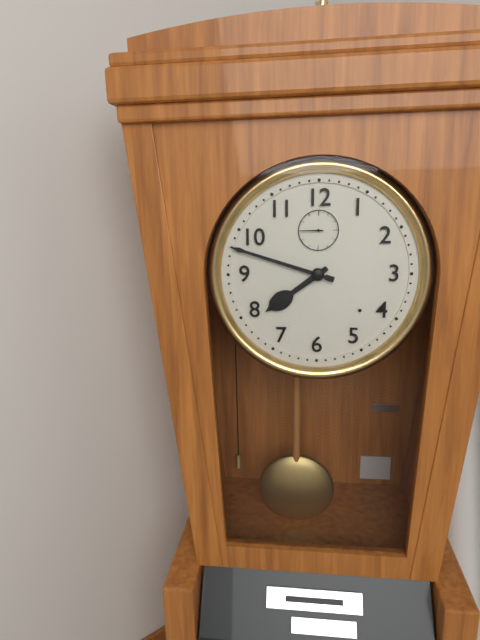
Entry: 7 h 48 min
